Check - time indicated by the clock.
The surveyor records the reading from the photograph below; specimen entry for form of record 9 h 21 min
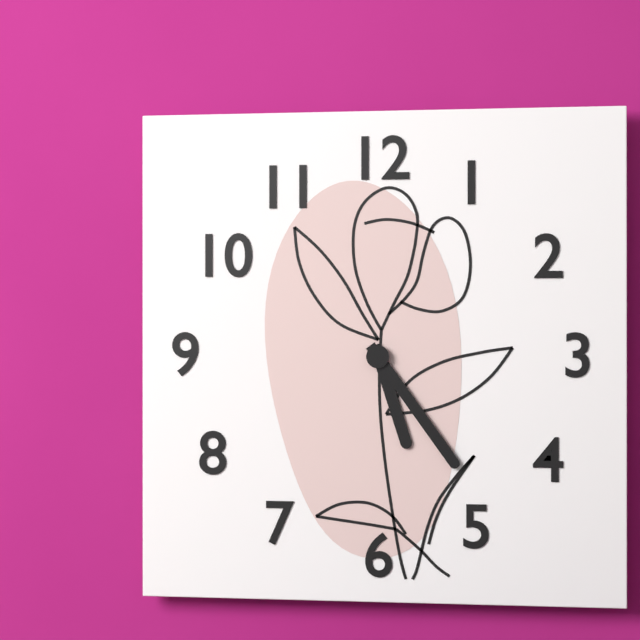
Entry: 5 h 24 min
